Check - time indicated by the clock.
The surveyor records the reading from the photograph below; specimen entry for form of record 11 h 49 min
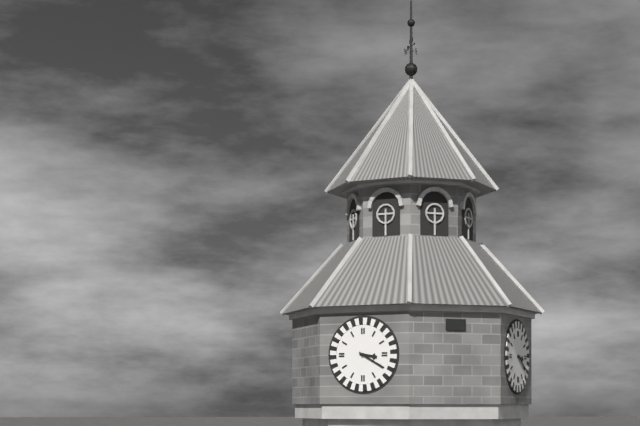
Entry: 3 h 20 min
